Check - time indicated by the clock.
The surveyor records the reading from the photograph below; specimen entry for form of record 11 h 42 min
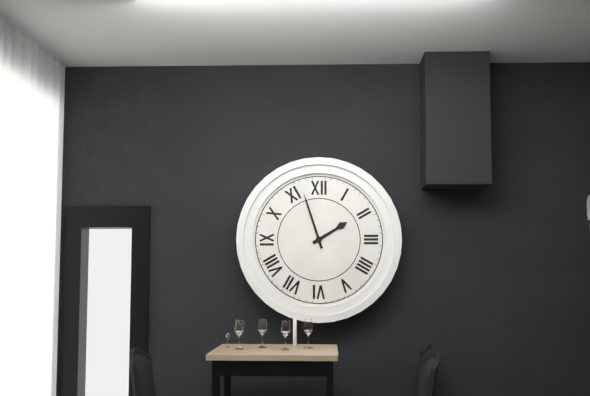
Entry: 1 h 57 min
